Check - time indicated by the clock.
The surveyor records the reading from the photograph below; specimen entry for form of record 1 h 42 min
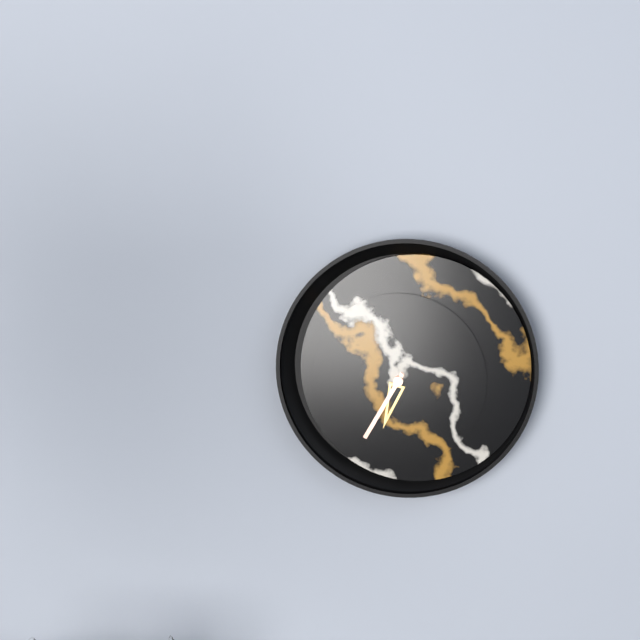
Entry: 6 h 35 min
